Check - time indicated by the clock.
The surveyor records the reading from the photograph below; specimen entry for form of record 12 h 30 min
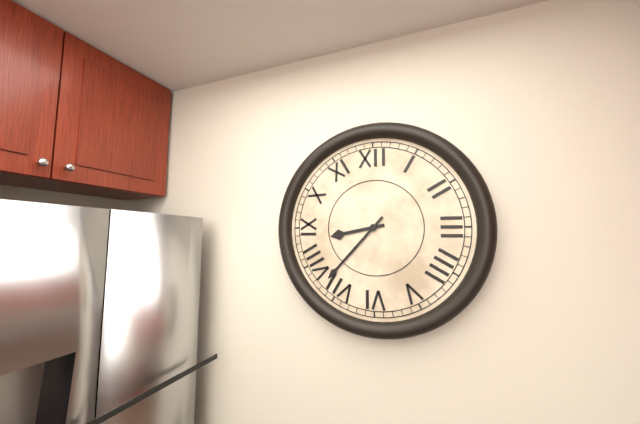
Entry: 8 h 37 min
